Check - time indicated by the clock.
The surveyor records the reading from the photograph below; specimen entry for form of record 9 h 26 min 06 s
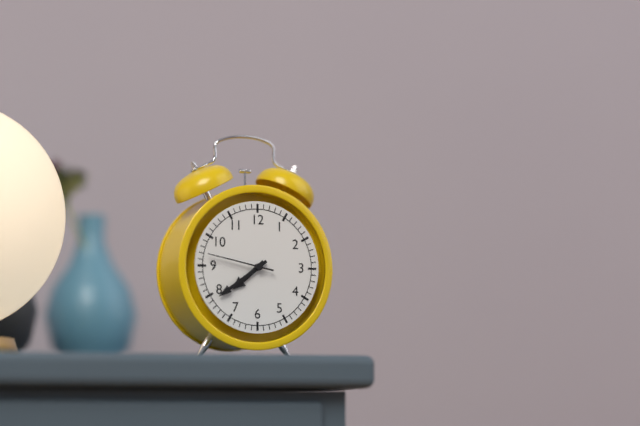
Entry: 7 h 39 min 47 s
